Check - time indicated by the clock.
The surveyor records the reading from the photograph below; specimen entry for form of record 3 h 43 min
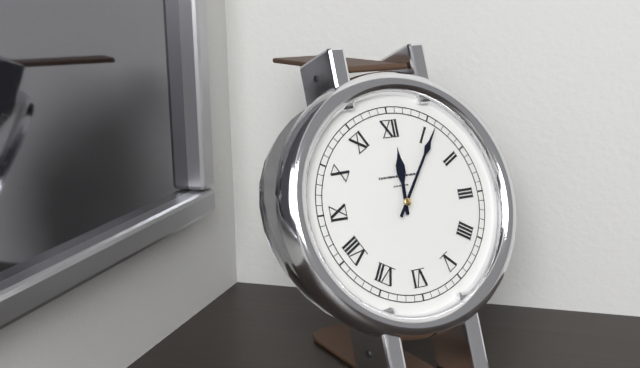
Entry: 12 h 06 min
